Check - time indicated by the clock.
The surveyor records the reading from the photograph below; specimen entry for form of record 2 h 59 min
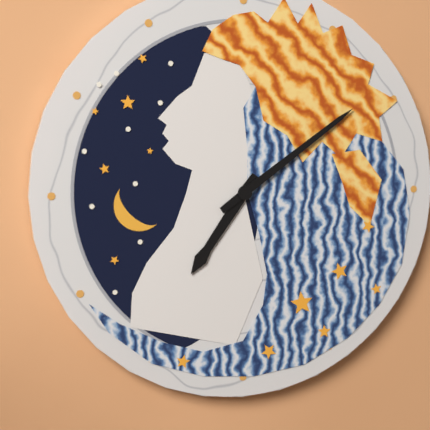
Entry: 7 h 09 min
